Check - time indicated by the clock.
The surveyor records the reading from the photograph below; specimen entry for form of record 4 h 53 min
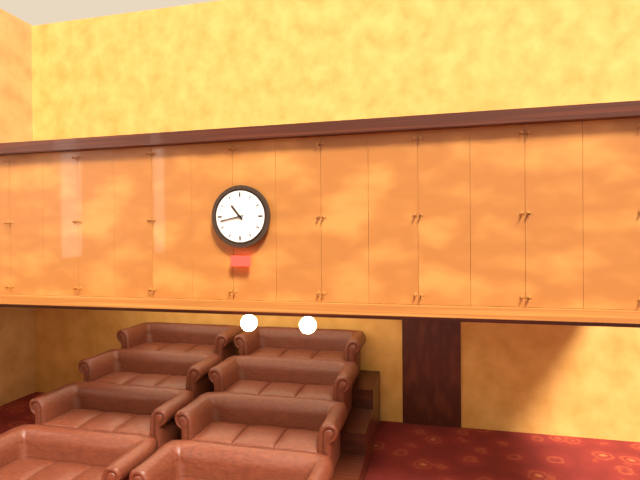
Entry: 10 h 43 min
